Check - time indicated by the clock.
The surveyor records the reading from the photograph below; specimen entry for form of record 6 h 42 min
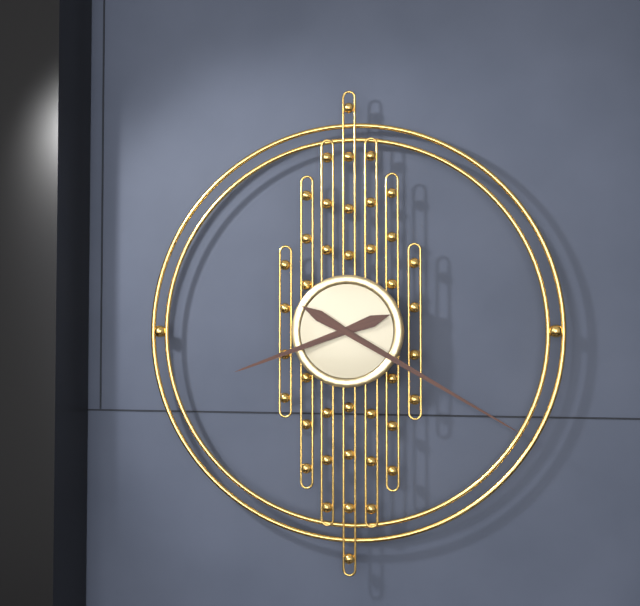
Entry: 8 h 20 min
